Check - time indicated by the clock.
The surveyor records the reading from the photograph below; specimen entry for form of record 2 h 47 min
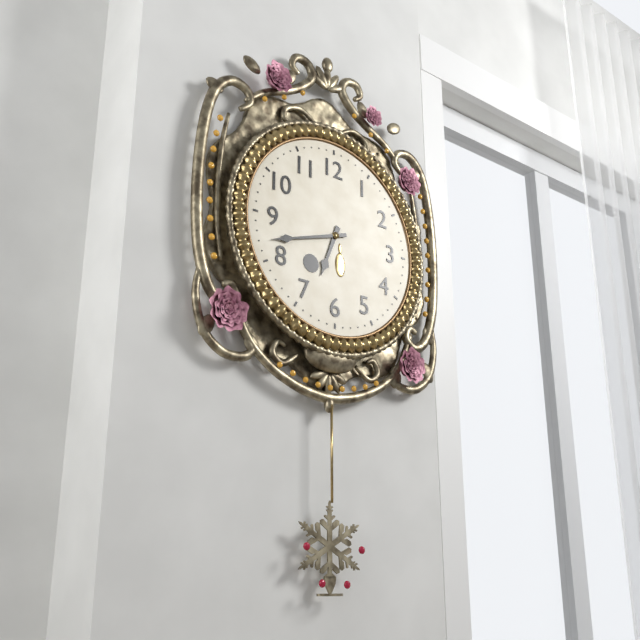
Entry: 6 h 42 min
